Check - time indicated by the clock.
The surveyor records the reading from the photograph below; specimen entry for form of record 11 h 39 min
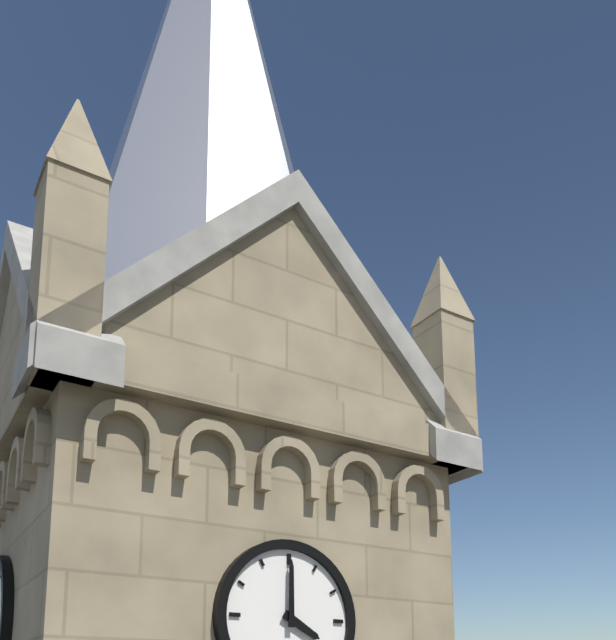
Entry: 4 h 00 min
